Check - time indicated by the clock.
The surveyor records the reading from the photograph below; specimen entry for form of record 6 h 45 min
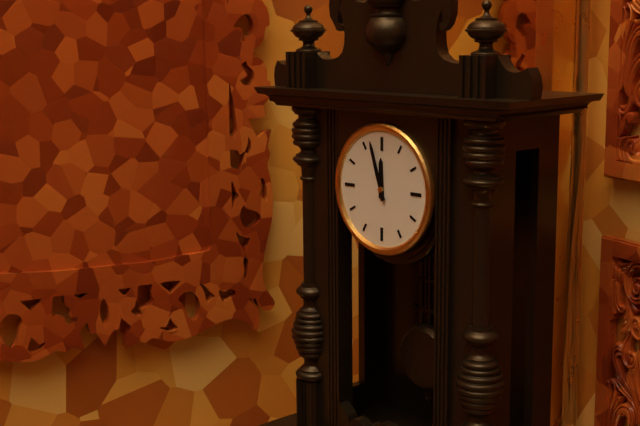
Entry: 11 h 57 min
